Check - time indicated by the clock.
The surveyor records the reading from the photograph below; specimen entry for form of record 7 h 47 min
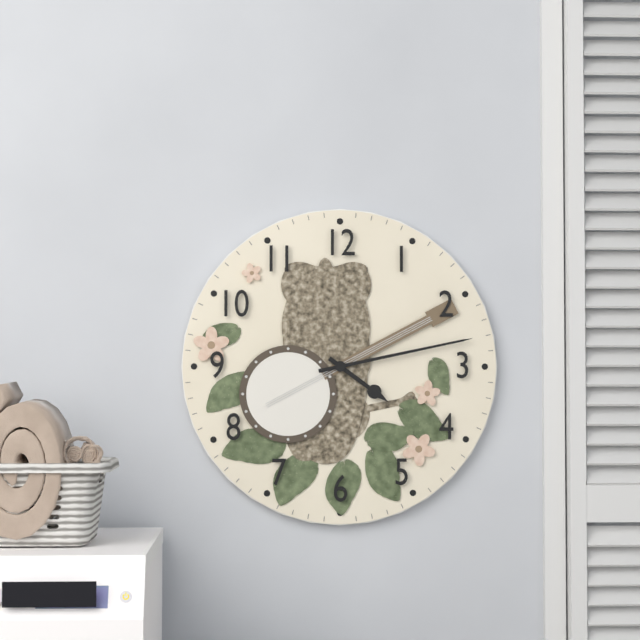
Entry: 4 h 13 min
